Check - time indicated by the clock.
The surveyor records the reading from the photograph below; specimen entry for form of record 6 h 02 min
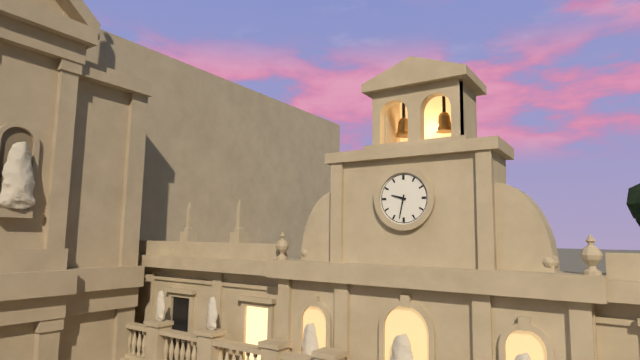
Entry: 9 h 32 min
